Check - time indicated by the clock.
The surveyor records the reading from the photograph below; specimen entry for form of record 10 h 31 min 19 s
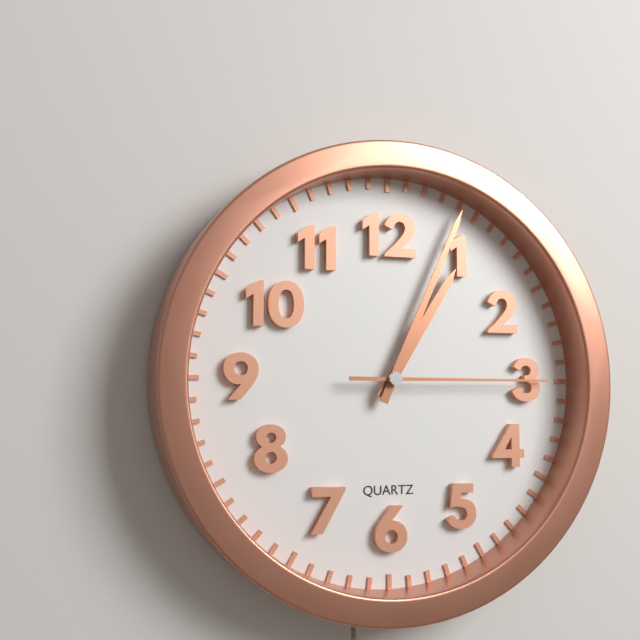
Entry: 1 h 04 min 15 s
